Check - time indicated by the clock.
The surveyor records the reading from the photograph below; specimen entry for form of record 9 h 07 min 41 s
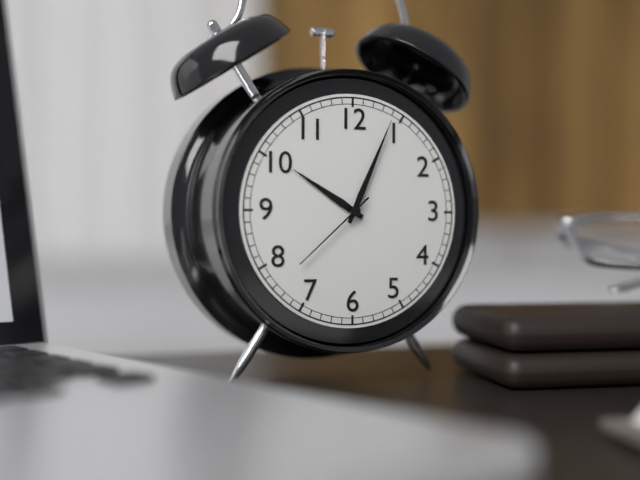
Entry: 10 h 04 min 38 s
